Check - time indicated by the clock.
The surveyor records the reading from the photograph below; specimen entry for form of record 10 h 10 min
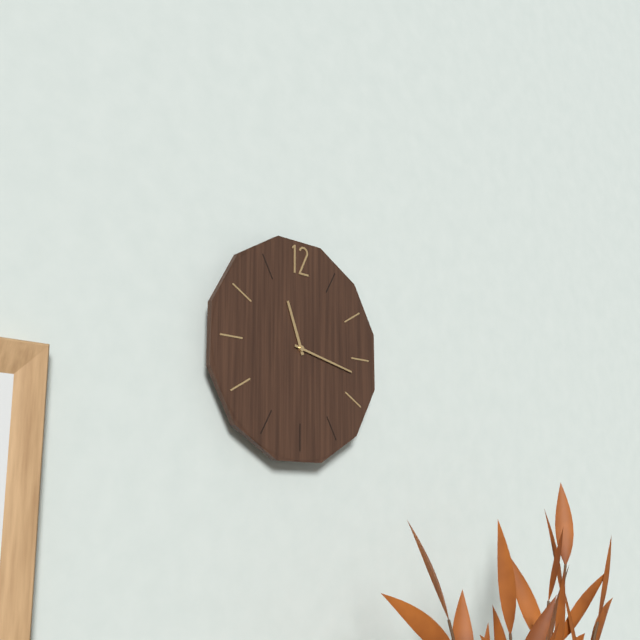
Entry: 11 h 17 min
